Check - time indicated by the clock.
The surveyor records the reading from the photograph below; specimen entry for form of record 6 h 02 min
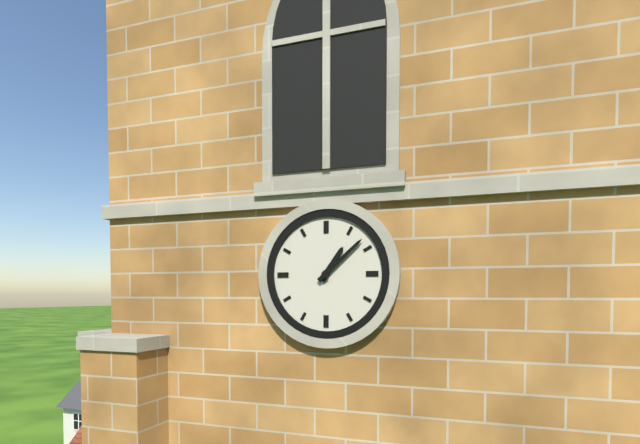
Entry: 1 h 08 min
